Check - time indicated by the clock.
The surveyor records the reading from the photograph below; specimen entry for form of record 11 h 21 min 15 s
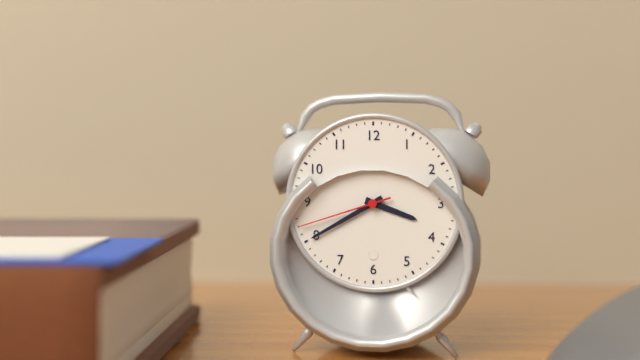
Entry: 3 h 40 min 42 s
